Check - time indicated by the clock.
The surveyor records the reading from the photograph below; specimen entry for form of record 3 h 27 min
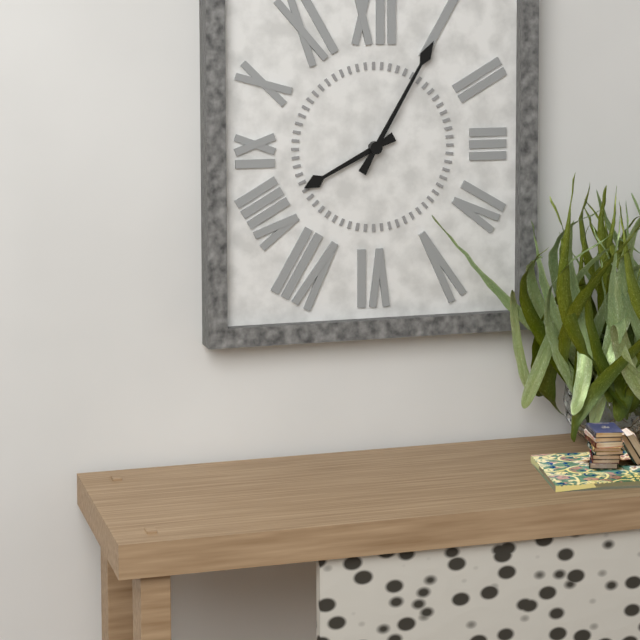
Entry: 8 h 05 min
